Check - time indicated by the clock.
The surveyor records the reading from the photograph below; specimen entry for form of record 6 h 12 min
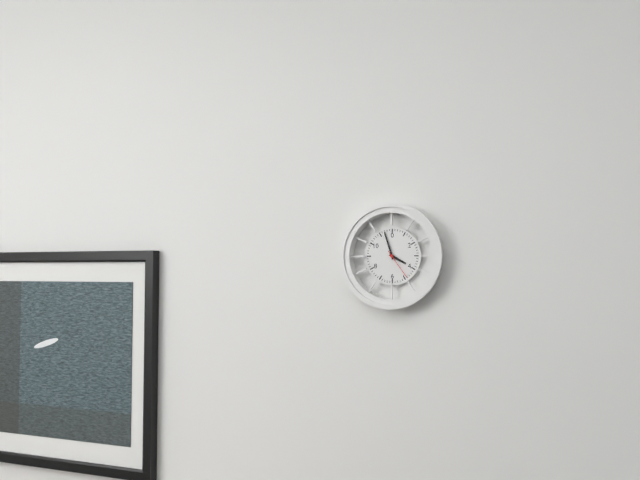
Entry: 3 h 57 min
